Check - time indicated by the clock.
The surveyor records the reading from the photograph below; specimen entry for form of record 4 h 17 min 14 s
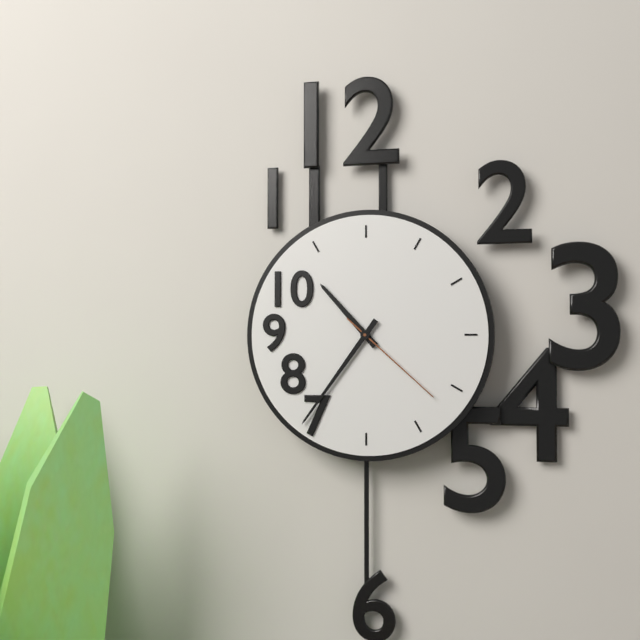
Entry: 10 h 36 min 22 s
